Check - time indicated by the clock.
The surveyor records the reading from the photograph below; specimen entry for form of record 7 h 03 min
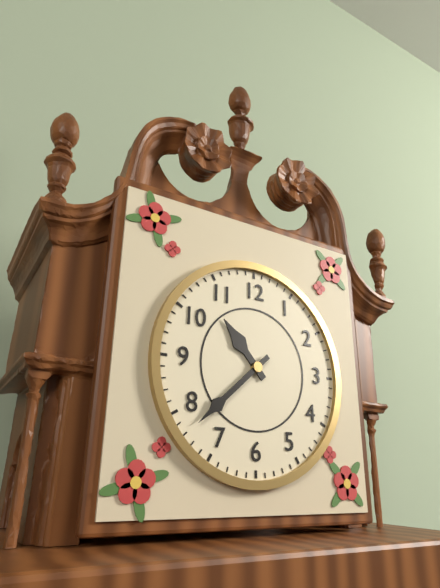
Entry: 10 h 38 min
